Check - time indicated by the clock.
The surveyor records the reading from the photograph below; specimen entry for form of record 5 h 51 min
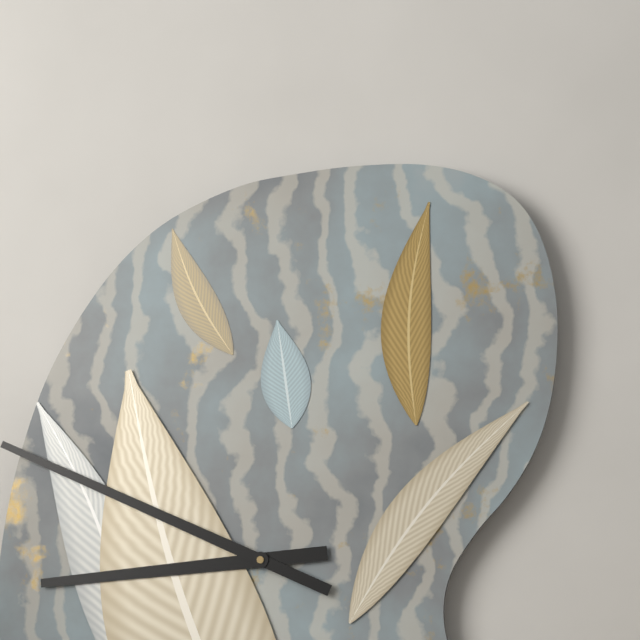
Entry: 8 h 49 min
